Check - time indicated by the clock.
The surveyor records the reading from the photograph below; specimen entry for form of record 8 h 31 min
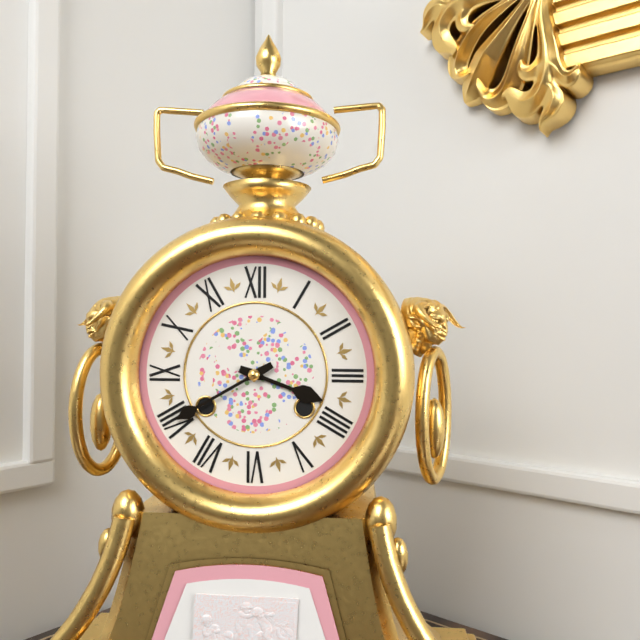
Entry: 3 h 40 min
